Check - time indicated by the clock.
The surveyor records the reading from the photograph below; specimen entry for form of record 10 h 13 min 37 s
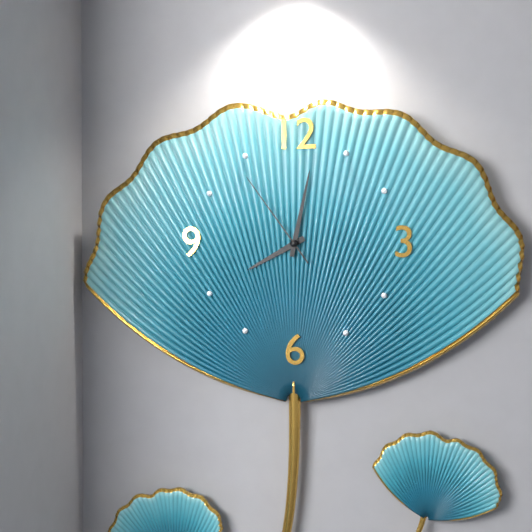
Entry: 8 h 02 min 54 s
